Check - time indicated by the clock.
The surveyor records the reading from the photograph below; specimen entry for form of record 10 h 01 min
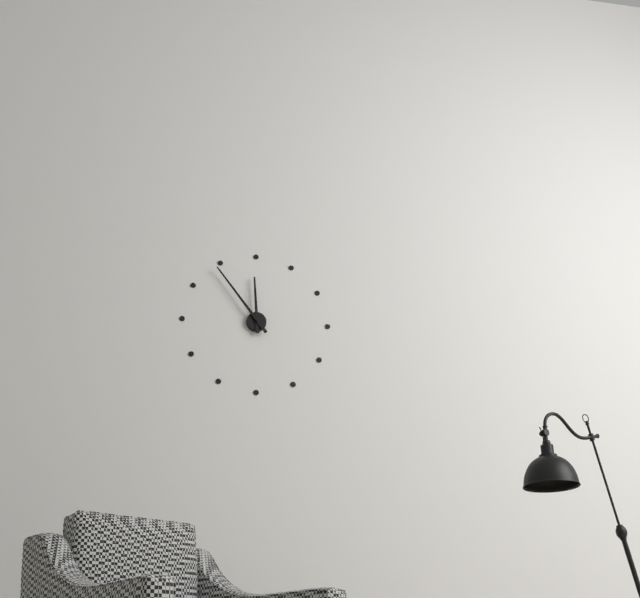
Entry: 11 h 54 min
